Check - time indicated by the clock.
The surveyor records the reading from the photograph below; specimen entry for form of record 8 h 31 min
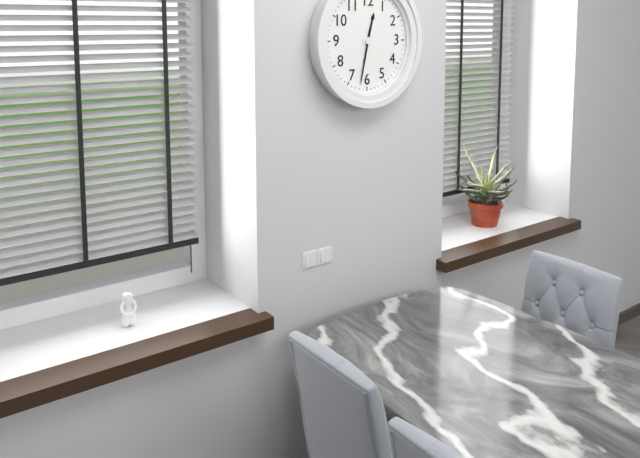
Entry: 12 h 32 min
